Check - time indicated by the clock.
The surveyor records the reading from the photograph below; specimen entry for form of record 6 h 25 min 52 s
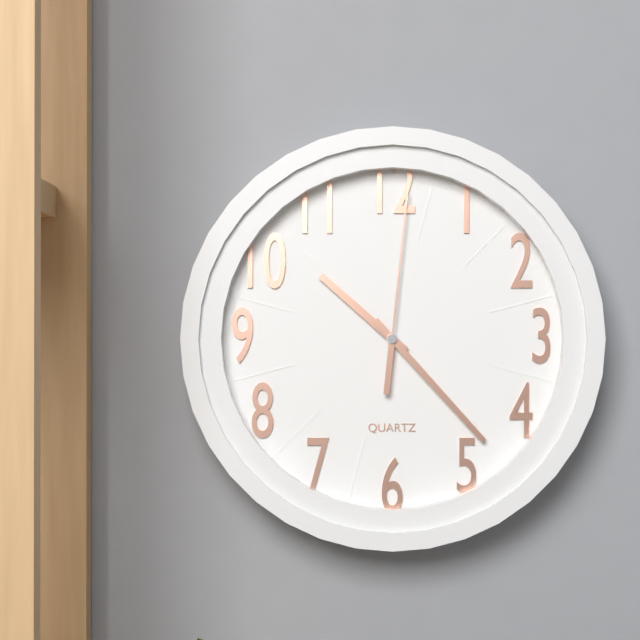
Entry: 10 h 23 min 01 s
